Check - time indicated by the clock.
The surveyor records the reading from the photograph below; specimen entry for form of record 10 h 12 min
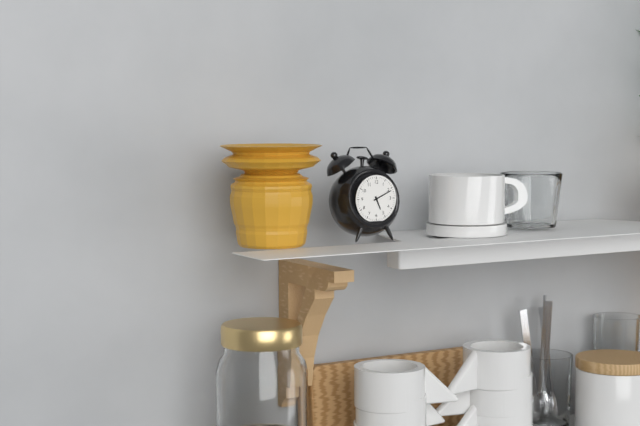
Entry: 5 h 11 min
